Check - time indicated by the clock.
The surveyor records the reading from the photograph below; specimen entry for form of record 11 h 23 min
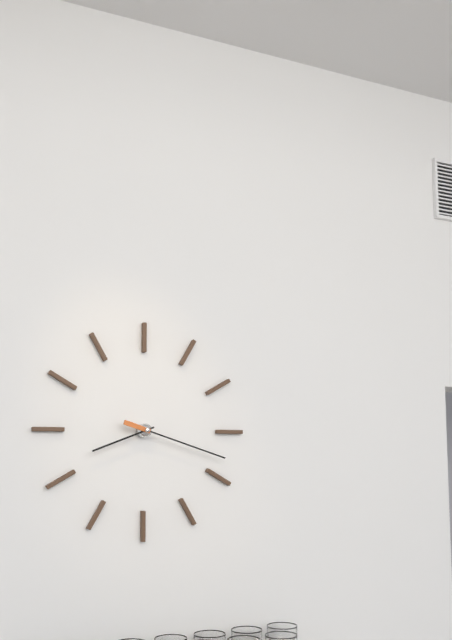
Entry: 8 h 18 min
